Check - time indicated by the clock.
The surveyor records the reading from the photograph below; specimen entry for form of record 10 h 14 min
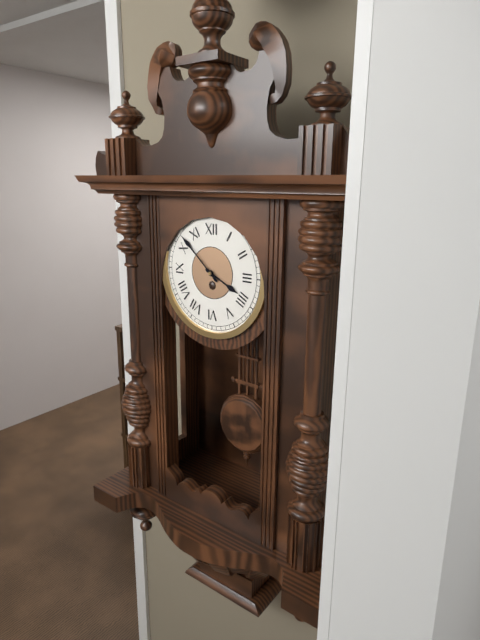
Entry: 3 h 52 min
